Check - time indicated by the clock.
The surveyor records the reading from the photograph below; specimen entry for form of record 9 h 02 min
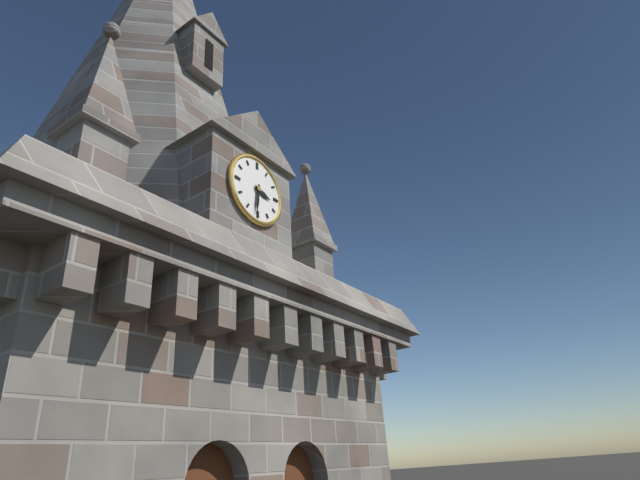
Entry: 3 h 31 min
